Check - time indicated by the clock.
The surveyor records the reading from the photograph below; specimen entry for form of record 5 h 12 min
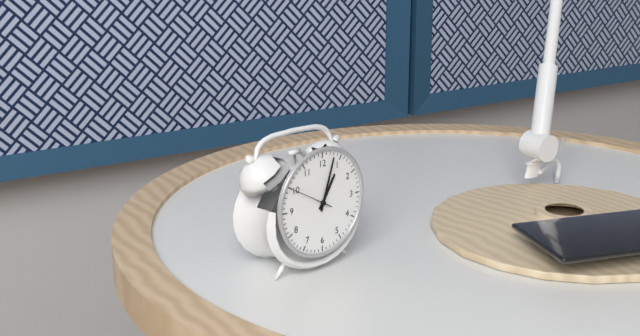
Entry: 1 h 03 min
